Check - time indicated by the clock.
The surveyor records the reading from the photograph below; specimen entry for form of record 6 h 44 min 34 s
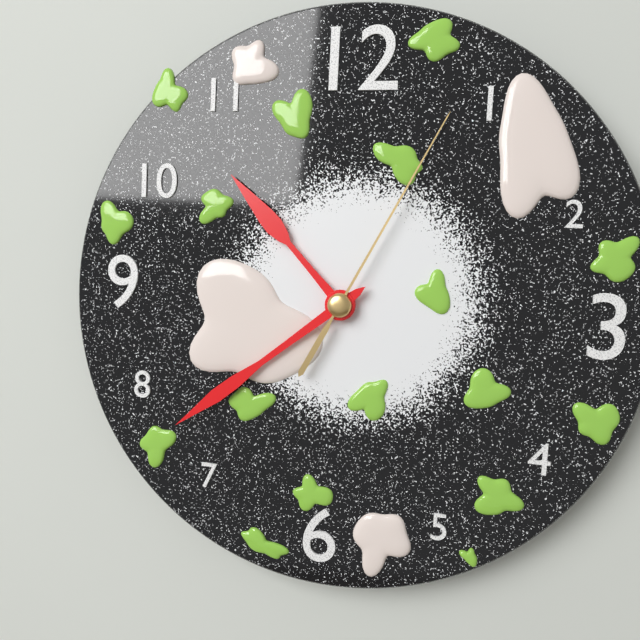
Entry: 10 h 39 min 05 s
